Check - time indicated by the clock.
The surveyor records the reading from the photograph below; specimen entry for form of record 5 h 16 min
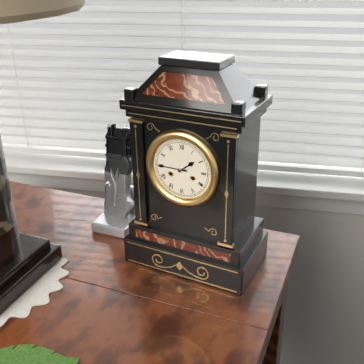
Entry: 1 h 45 min
